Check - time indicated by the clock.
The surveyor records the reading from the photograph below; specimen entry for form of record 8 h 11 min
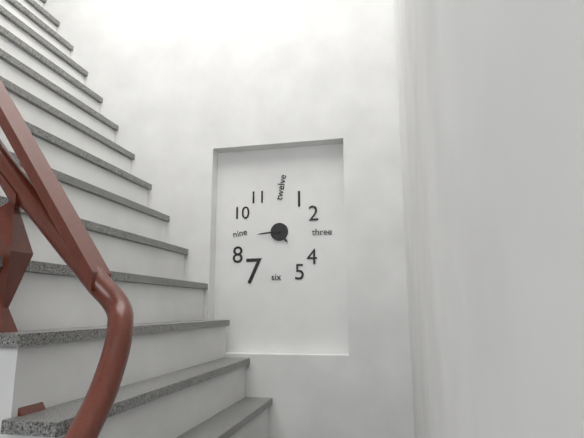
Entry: 4 h 44 min
